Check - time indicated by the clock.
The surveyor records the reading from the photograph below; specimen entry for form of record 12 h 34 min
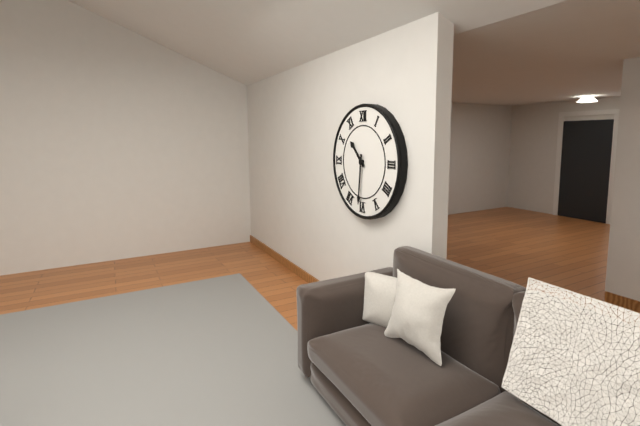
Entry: 10 h 31 min
